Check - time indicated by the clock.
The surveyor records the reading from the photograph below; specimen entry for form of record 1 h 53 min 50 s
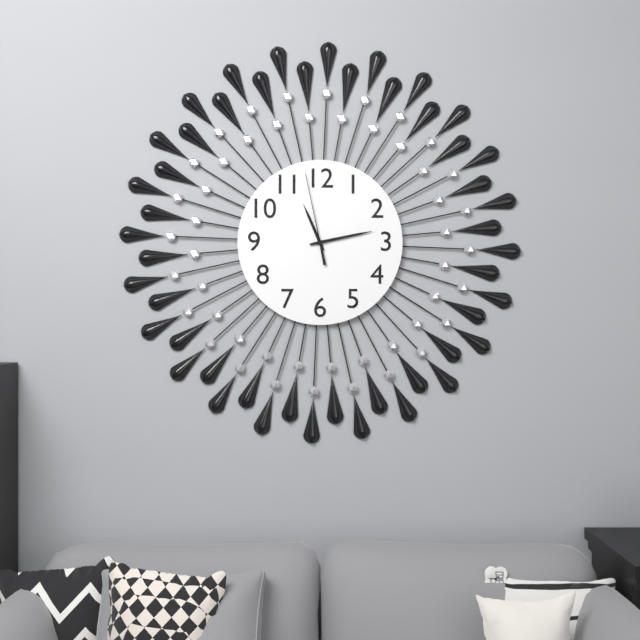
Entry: 11 h 13 min 58 s
